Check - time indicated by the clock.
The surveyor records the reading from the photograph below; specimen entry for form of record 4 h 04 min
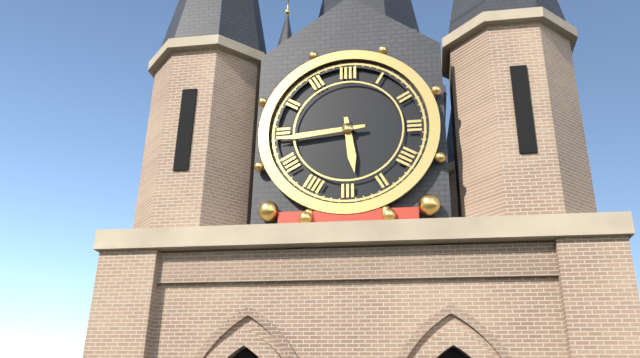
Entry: 5 h 44 min
